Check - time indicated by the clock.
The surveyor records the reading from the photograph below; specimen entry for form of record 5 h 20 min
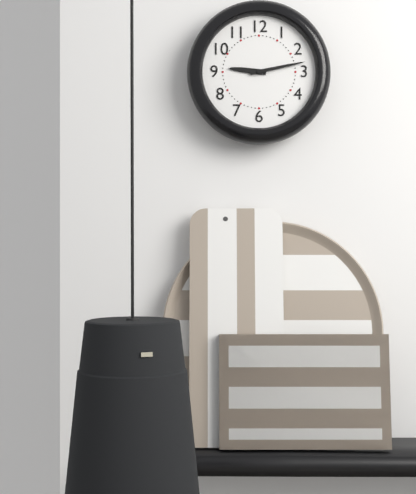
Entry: 9 h 13 min
